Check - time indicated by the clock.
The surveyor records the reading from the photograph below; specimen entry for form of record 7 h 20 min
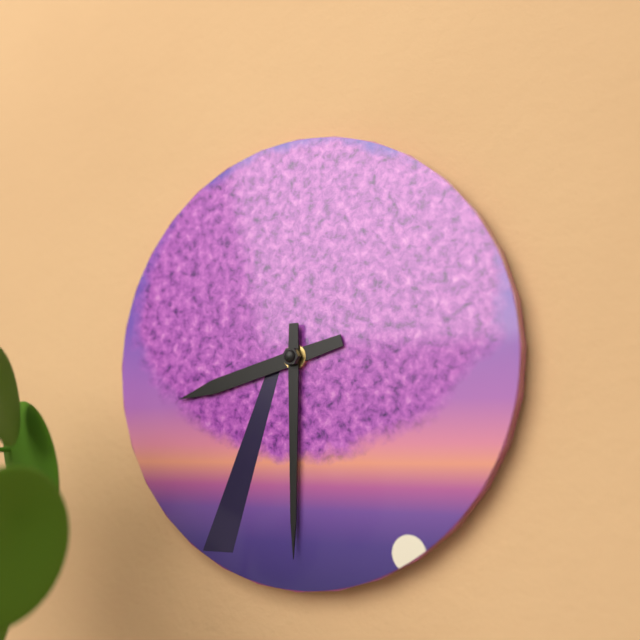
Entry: 8 h 30 min
